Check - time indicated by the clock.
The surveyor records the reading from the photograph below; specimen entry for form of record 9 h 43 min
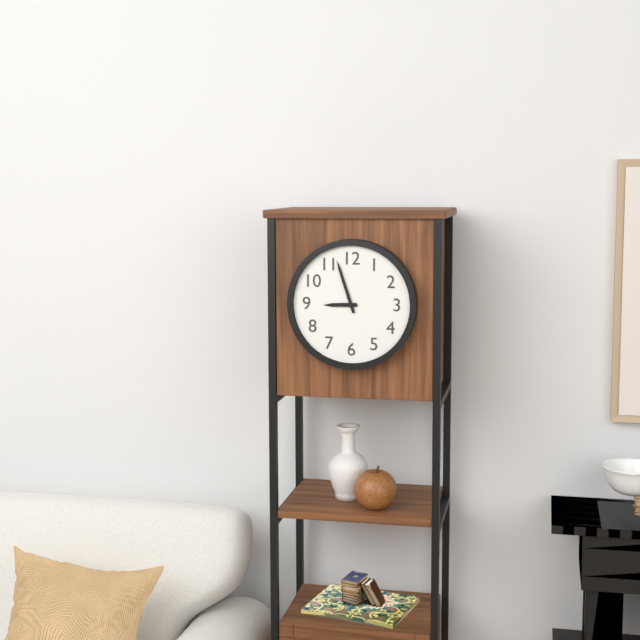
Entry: 8 h 57 min
